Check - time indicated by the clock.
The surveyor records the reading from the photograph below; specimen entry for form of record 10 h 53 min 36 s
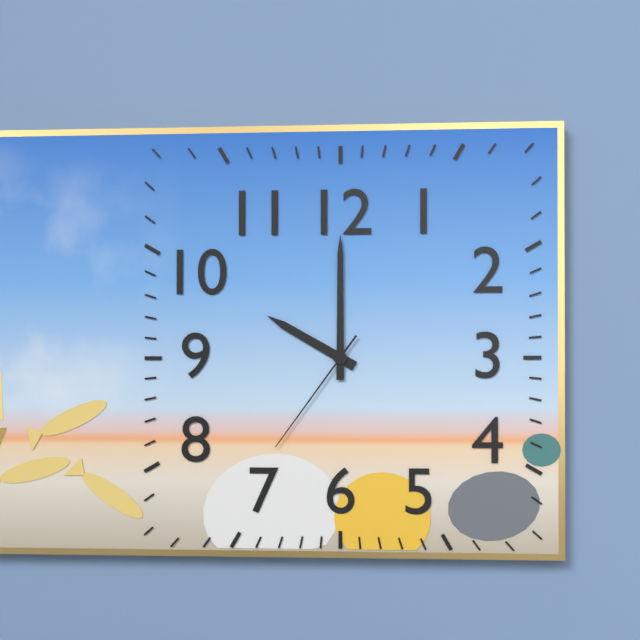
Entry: 10 h 00 min 36 s
